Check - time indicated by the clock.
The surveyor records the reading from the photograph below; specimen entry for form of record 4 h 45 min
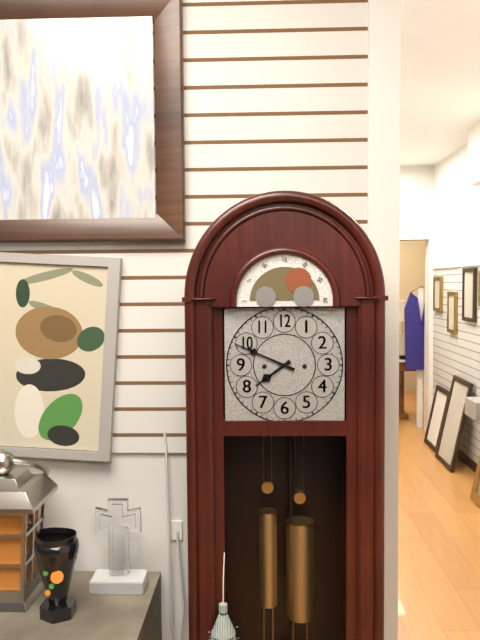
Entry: 7 h 49 min
